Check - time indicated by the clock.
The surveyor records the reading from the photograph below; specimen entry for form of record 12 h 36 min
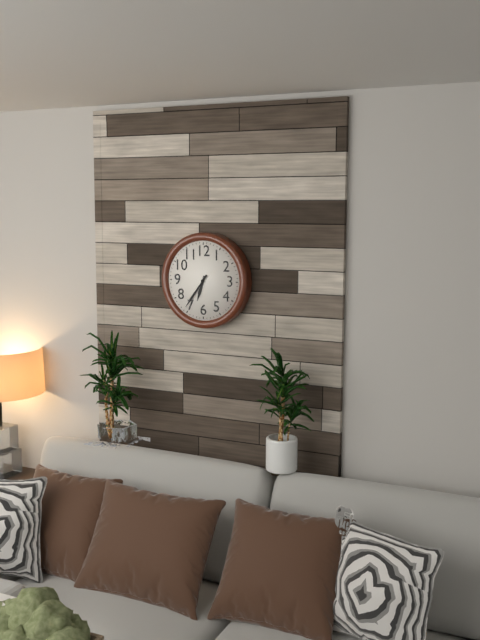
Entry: 6 h 36 min
